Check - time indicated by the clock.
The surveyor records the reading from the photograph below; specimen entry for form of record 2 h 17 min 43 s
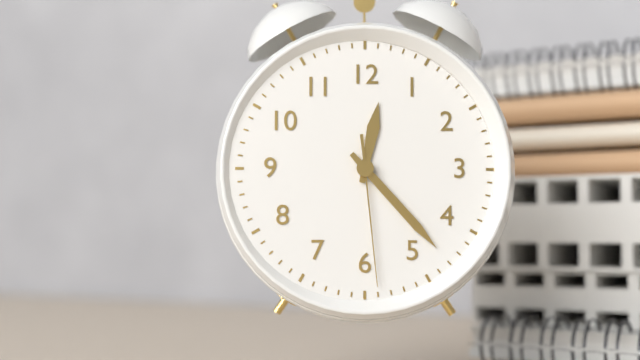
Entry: 12 h 23 min 29 s
